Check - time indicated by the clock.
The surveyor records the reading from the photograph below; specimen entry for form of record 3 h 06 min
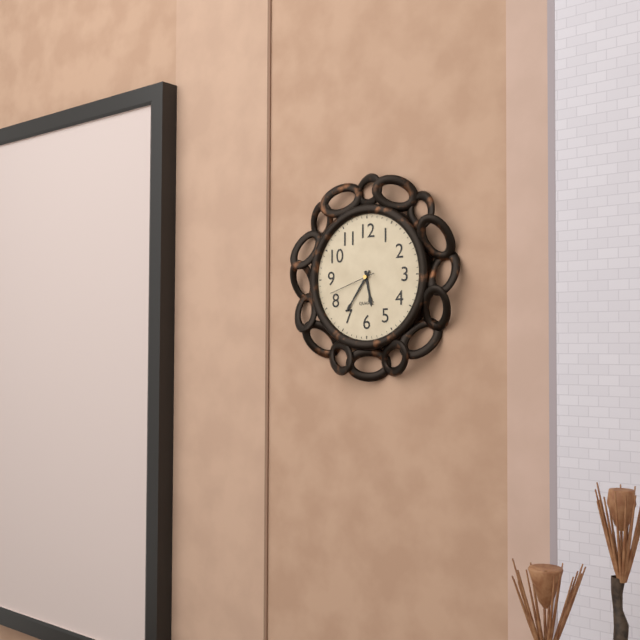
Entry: 5 h 36 min
